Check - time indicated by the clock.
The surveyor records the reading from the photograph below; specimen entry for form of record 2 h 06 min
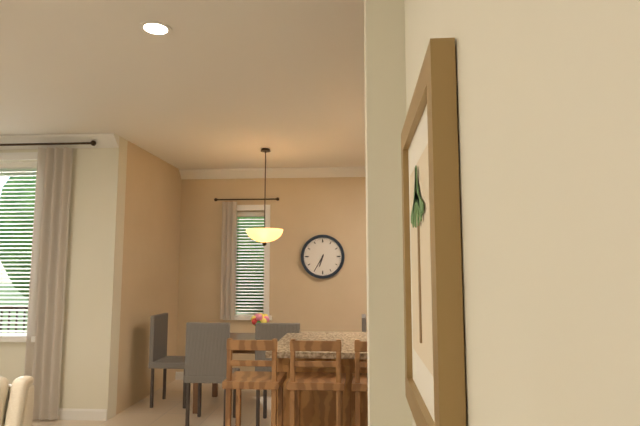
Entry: 6 h 35 min
